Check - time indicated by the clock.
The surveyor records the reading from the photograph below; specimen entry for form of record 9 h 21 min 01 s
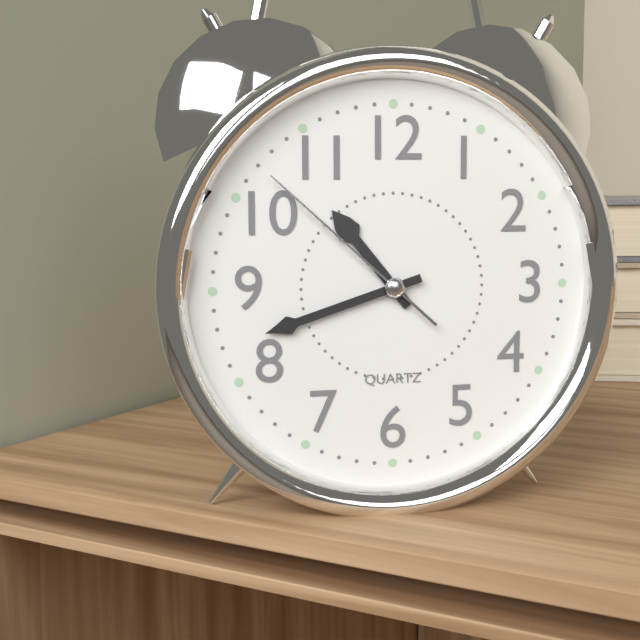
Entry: 10 h 42 min 52 s
